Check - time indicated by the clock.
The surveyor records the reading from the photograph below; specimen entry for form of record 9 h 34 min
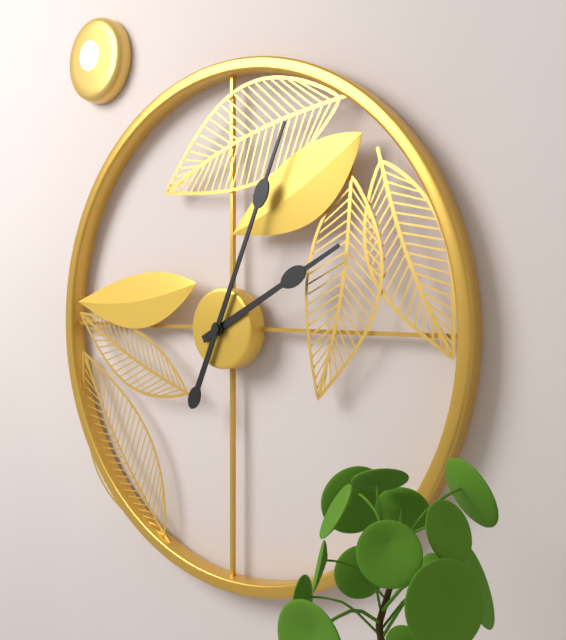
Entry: 2 h 04 min
